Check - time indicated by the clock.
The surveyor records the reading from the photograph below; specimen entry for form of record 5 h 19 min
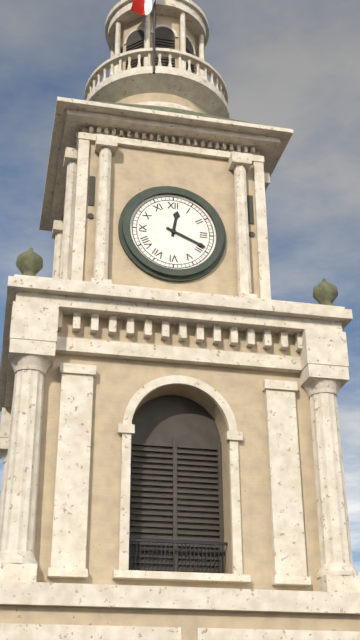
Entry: 12 h 19 min
